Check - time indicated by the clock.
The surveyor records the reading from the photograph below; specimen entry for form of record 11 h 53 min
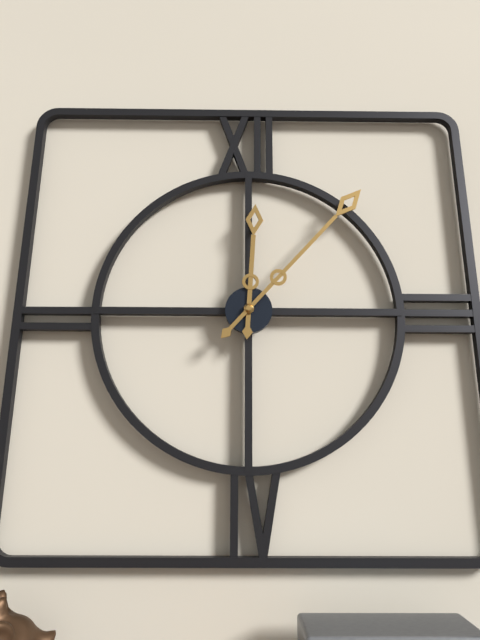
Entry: 12 h 07 min
